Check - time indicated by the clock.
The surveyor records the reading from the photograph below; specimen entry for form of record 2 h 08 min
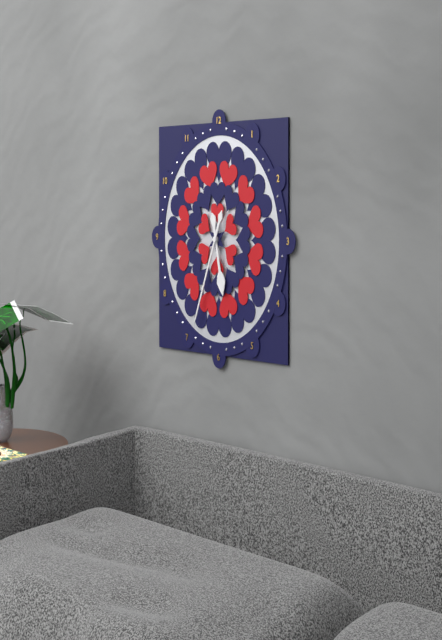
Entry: 5 h 34 min
